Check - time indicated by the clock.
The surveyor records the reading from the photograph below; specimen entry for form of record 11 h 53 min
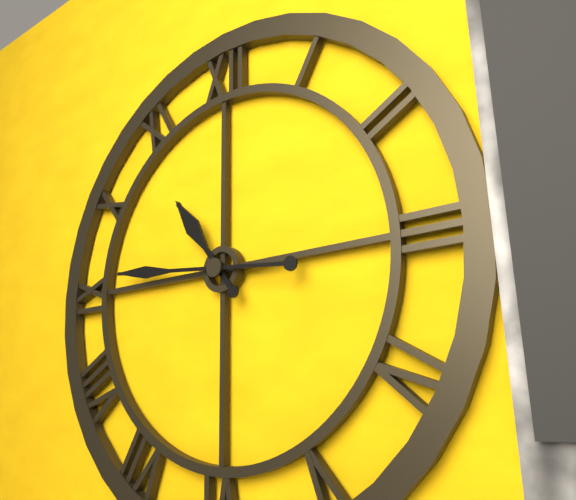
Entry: 10 h 46 min
